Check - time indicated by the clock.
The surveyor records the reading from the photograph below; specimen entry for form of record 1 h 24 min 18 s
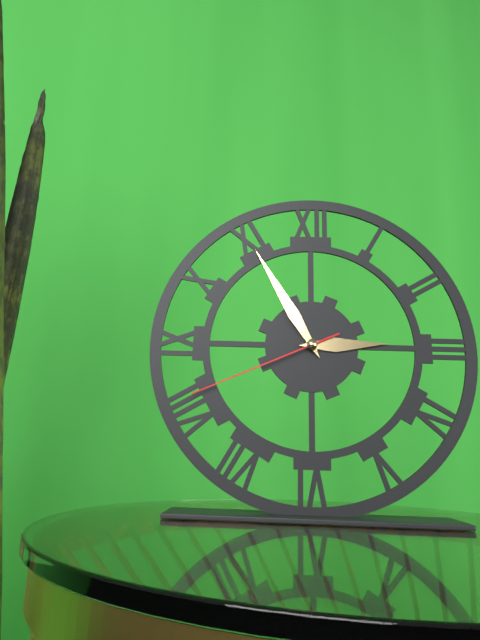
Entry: 2 h 55 min 41 s
